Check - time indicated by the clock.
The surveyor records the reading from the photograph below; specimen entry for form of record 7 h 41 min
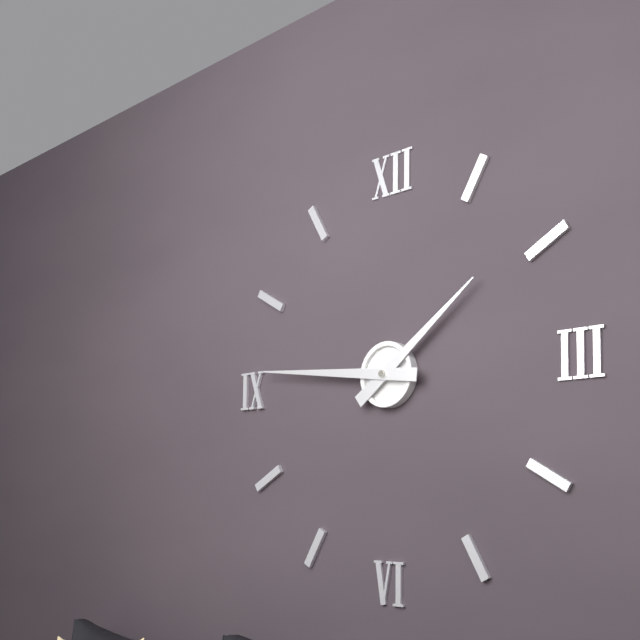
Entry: 1 h 46 min
